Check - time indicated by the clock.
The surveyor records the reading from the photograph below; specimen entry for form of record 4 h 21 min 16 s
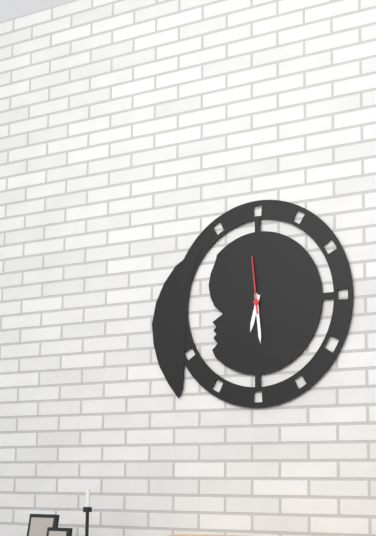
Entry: 6 h 29 min 59 s
